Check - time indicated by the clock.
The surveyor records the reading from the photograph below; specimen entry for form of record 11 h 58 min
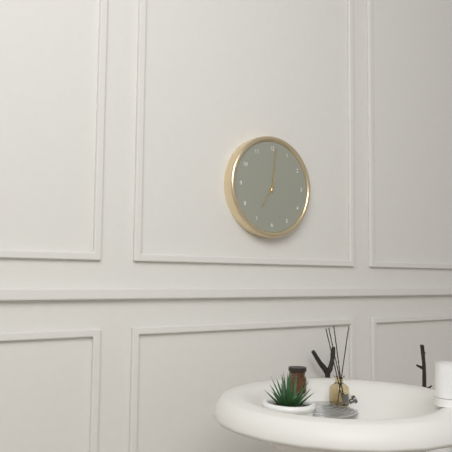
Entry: 7 h 01 min
